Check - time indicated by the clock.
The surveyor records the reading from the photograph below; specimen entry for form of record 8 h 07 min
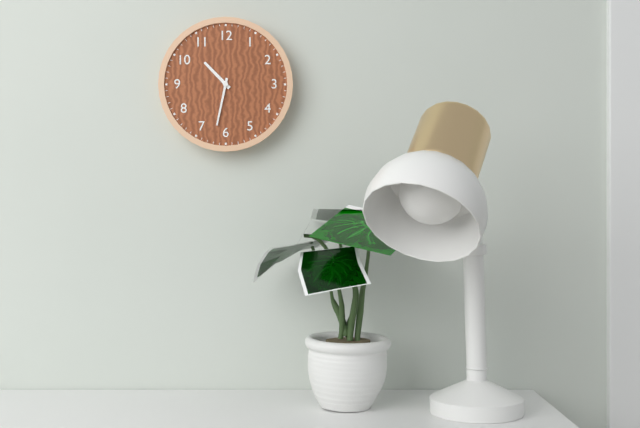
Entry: 10 h 32 min
